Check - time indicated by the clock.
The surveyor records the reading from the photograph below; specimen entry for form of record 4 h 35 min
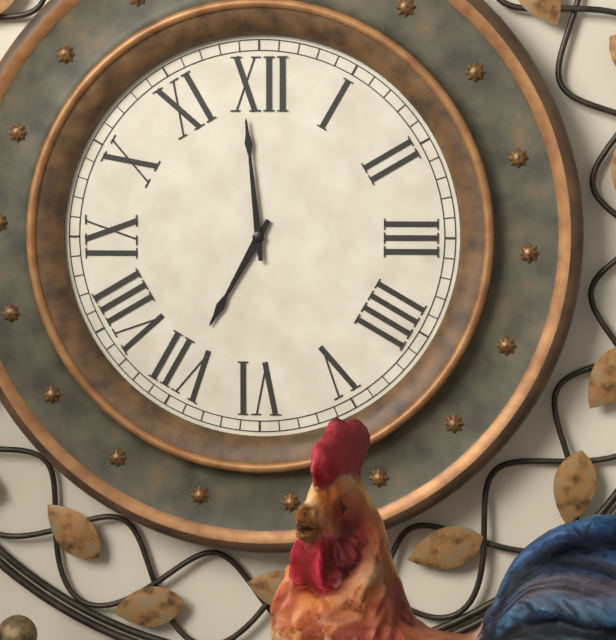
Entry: 6 h 59 min
